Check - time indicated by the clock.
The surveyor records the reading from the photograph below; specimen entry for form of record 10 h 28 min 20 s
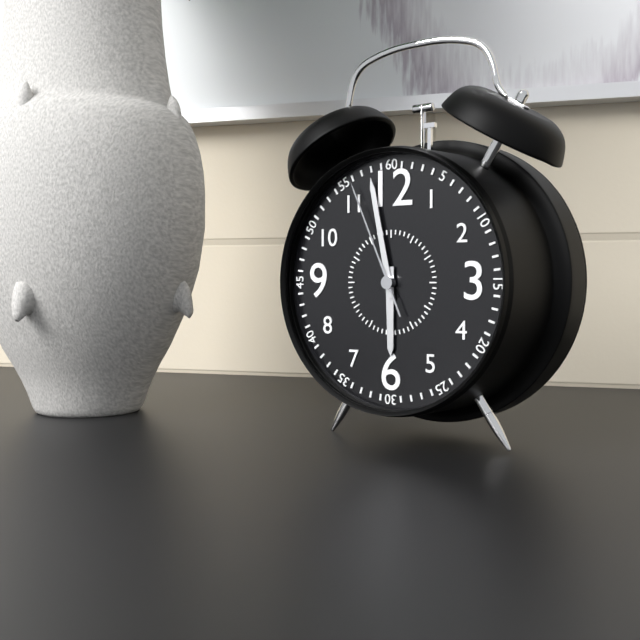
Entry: 5 h 58 min 56 s
